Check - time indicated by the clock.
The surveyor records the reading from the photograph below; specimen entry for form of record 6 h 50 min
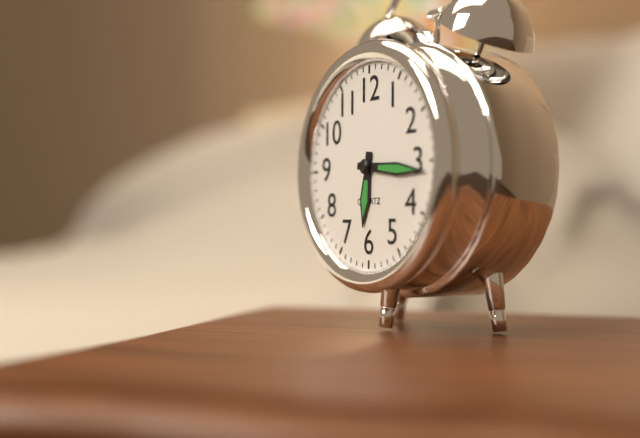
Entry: 6 h 16 min
